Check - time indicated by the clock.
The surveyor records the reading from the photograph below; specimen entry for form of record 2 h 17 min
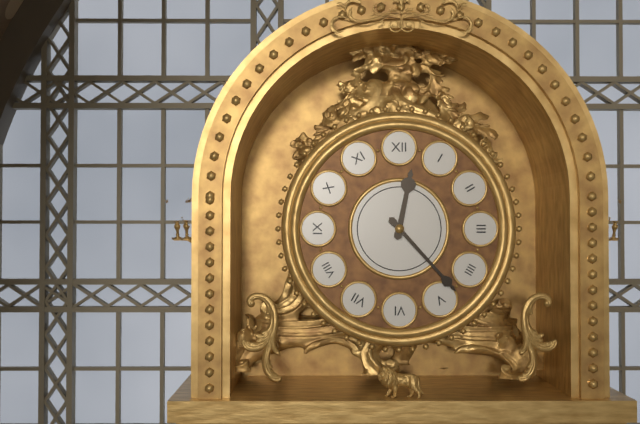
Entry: 12 h 23 min
